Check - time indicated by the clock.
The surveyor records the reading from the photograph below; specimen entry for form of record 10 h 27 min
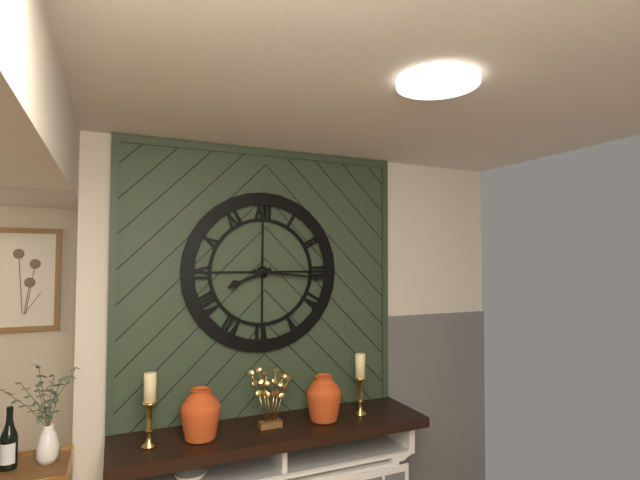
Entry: 8 h 16 min
